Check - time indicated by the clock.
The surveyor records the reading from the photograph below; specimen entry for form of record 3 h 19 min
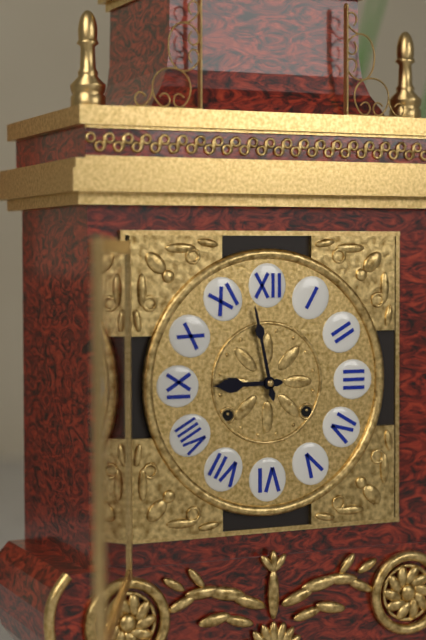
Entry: 8 h 58 min
